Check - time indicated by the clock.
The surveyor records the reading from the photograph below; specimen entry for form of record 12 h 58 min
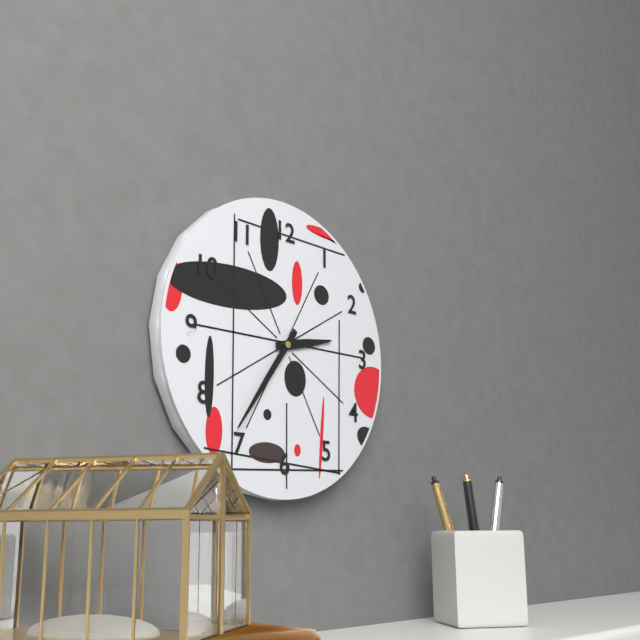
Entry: 2 h 36 min
